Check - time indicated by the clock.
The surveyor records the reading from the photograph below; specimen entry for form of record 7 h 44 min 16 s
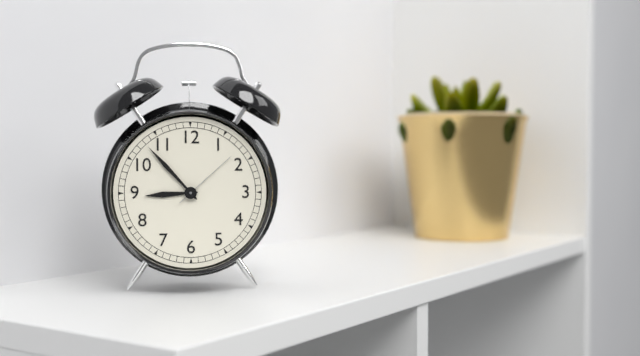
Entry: 8 h 53 min 08 s
